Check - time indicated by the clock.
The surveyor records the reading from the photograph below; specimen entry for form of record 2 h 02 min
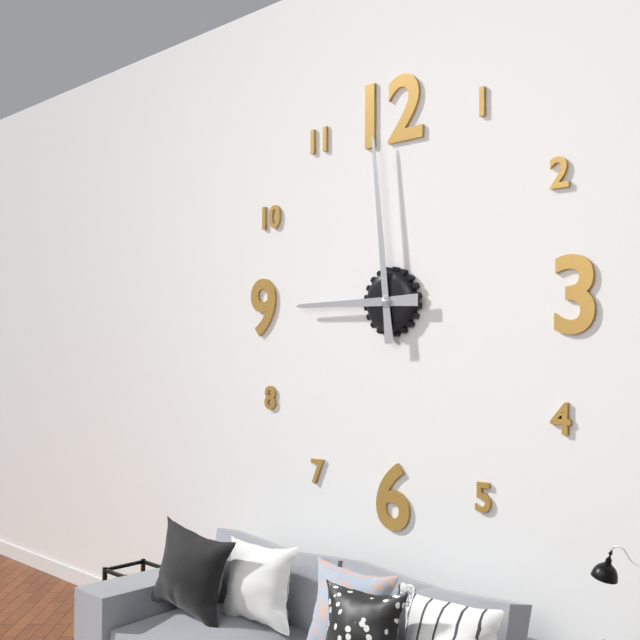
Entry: 8 h 59 min
